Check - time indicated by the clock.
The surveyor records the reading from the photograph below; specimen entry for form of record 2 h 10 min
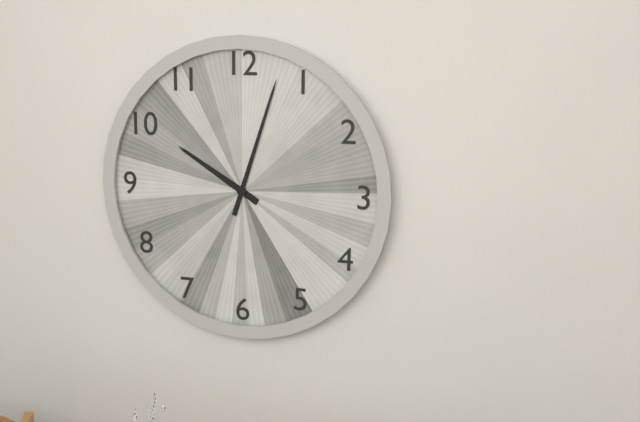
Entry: 10 h 03 min
